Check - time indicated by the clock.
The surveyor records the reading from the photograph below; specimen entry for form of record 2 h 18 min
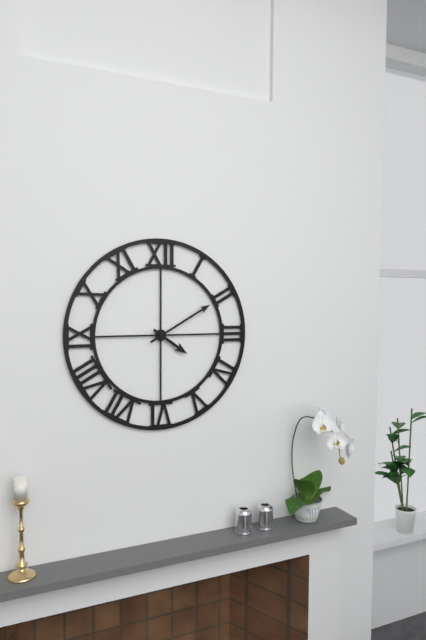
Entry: 4 h 10 min
